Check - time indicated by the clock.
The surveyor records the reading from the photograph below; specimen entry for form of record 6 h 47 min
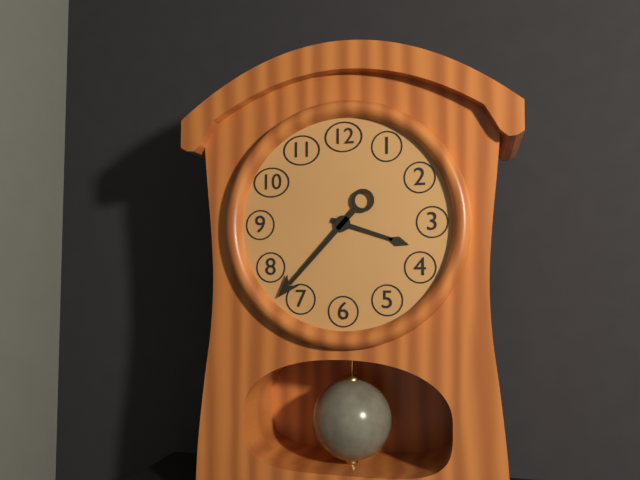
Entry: 3 h 37 min
